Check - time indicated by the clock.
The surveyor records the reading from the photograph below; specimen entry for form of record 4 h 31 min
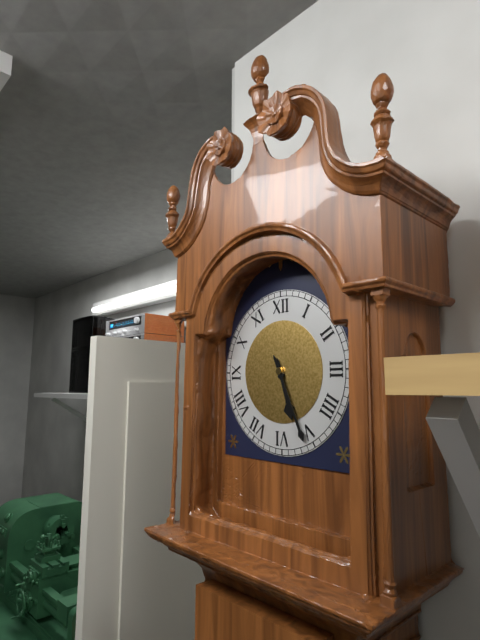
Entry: 5 h 26 min
